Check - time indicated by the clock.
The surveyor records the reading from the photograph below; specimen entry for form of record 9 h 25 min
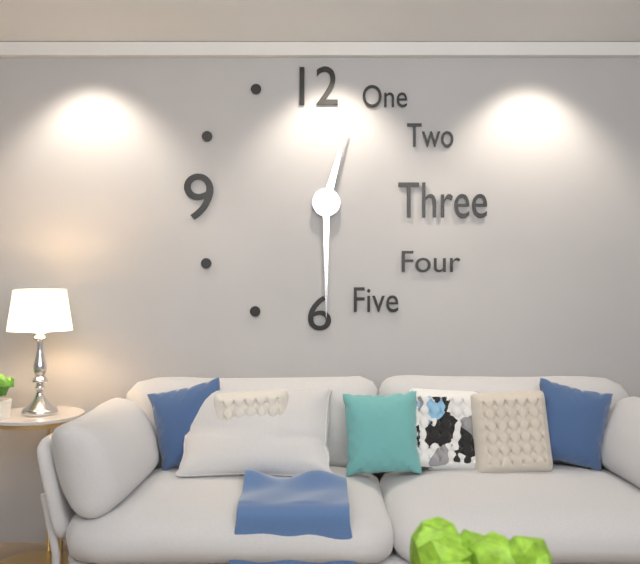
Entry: 12 h 30 min
